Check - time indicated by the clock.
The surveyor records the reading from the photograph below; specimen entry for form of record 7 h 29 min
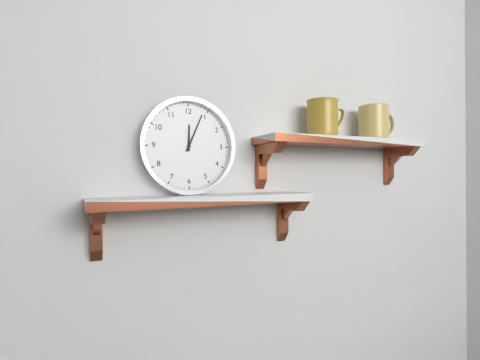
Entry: 12 h 04 min
